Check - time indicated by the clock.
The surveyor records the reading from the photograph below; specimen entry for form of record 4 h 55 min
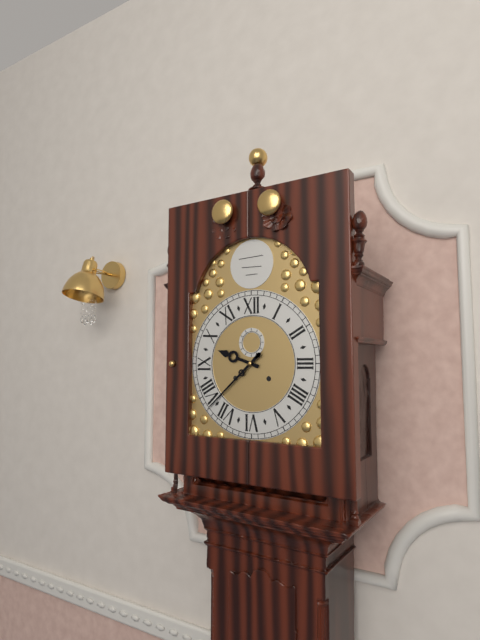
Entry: 9 h 38 min
